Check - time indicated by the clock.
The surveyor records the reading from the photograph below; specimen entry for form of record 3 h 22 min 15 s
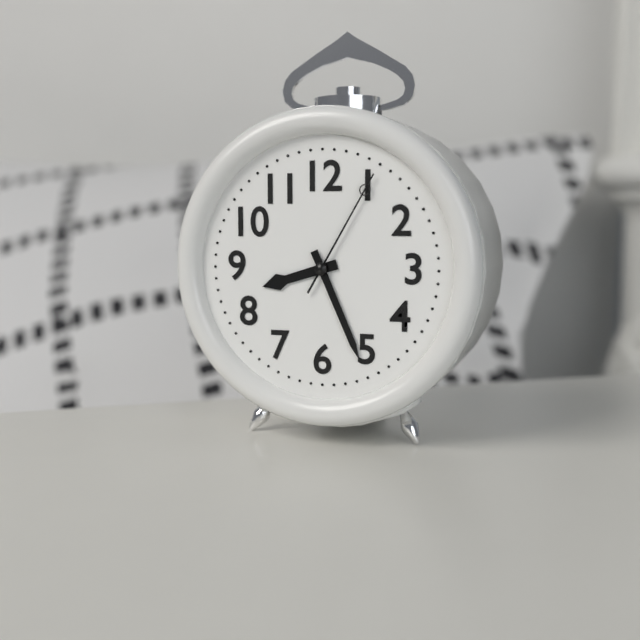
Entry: 8 h 26 min 05 s
